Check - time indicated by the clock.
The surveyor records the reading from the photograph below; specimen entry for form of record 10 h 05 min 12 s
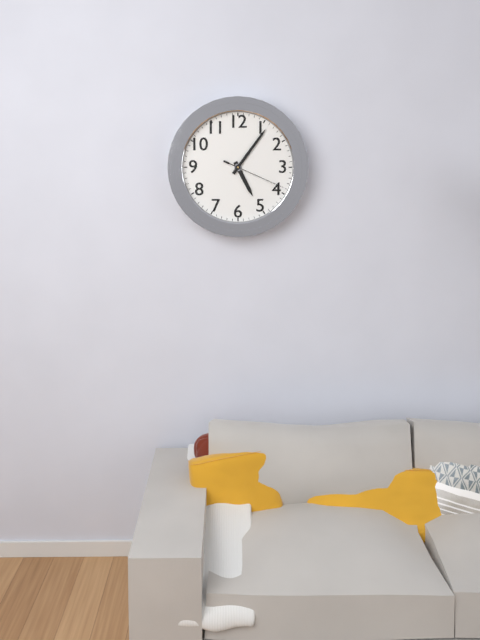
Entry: 5 h 06 min 19 s
